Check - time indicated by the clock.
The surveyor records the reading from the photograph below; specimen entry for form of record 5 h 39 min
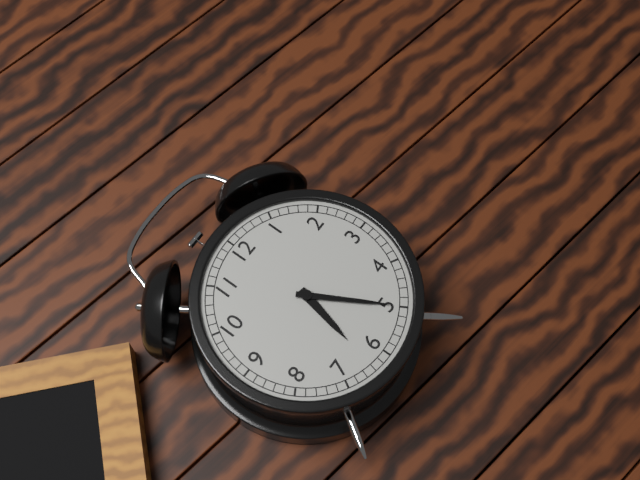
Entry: 6 h 25 min
